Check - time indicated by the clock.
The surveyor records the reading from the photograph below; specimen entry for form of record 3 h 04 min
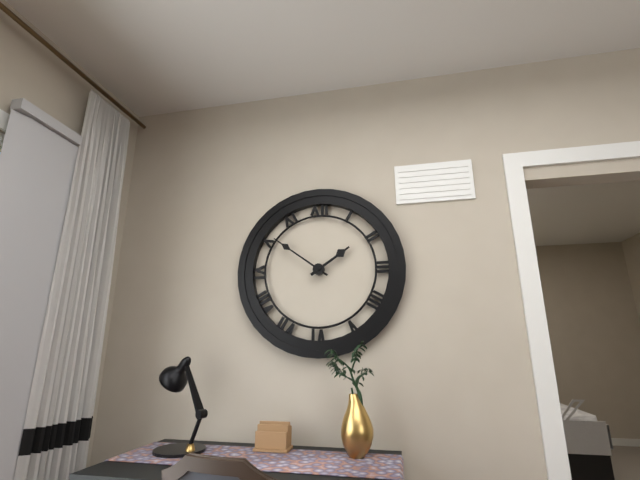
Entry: 1 h 51 min
